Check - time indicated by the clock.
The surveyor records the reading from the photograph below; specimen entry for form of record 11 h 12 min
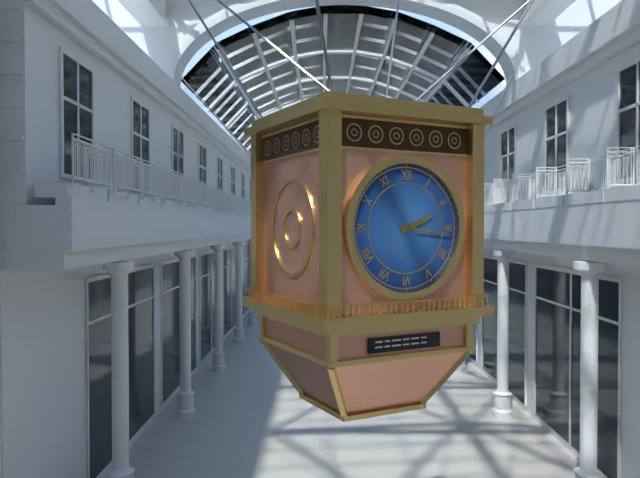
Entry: 2 h 16 min
